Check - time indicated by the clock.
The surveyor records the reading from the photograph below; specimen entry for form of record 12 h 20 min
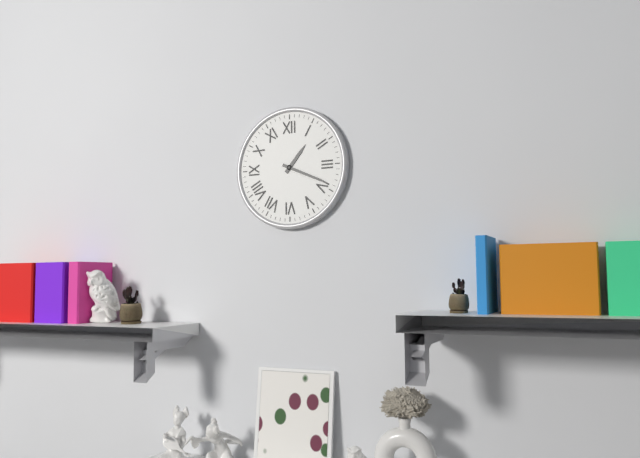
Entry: 1 h 19 min
